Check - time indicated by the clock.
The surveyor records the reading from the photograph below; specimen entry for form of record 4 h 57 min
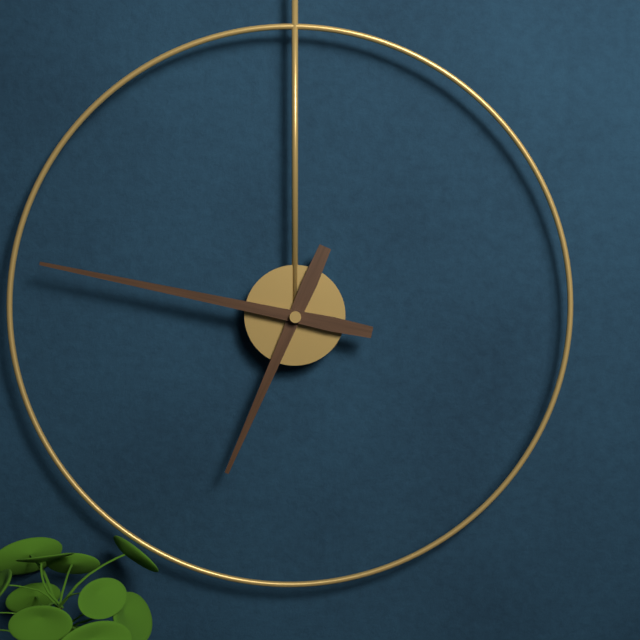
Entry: 6 h 47 min
